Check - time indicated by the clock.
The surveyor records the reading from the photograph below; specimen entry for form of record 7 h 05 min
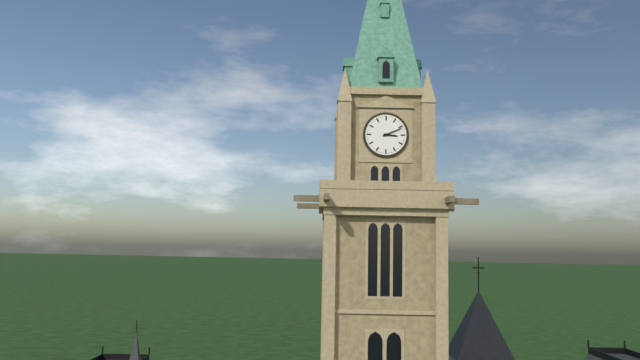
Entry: 3 h 11 min
